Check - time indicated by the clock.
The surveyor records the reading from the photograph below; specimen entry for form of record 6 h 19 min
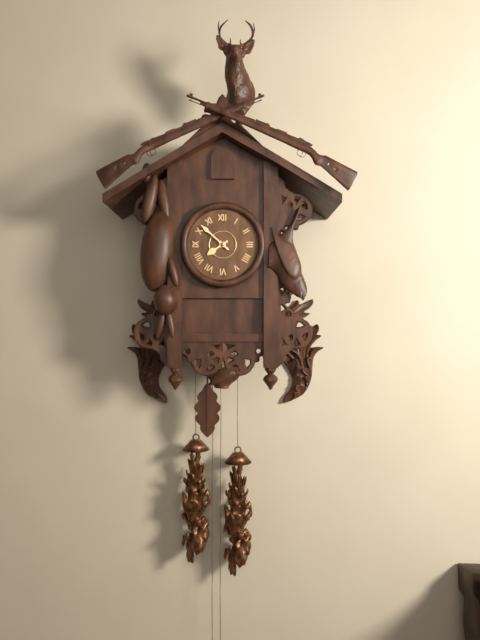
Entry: 7 h 52 min
